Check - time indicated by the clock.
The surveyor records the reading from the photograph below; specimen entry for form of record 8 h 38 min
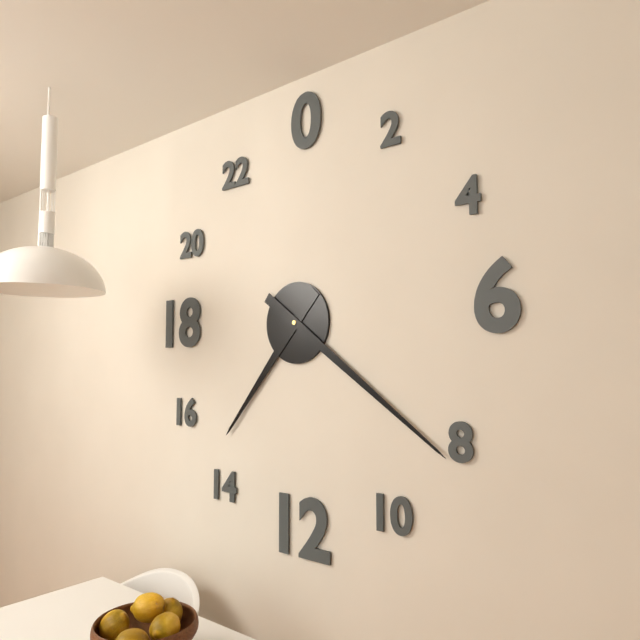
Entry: 7 h 21 min
